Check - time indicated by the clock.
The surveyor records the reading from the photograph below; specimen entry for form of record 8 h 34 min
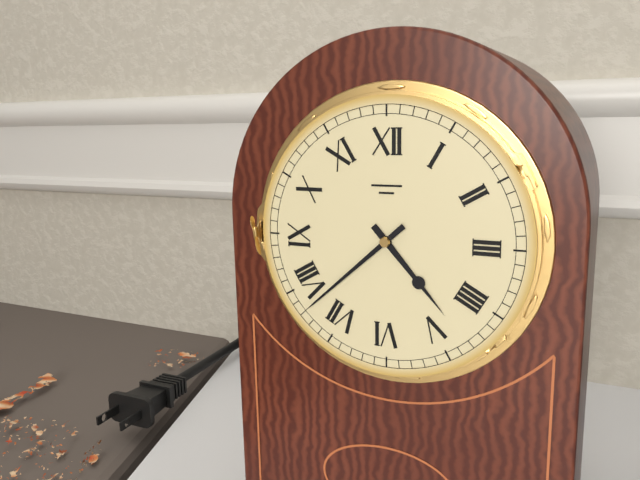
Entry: 4 h 38 min
